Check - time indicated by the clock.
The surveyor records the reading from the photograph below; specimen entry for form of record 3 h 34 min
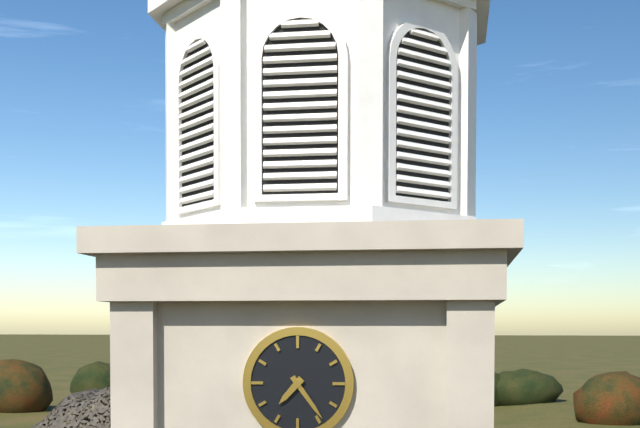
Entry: 7 h 24 min
